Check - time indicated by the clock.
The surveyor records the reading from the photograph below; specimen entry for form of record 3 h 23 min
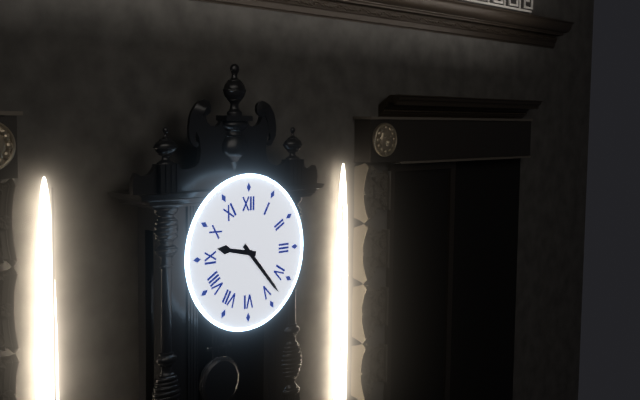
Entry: 9 h 23 min
